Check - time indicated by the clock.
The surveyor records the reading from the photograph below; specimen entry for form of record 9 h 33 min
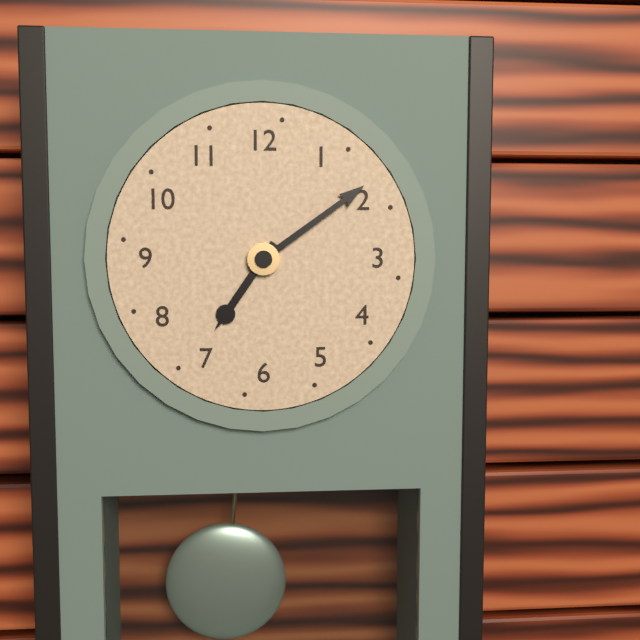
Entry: 7 h 09 min
